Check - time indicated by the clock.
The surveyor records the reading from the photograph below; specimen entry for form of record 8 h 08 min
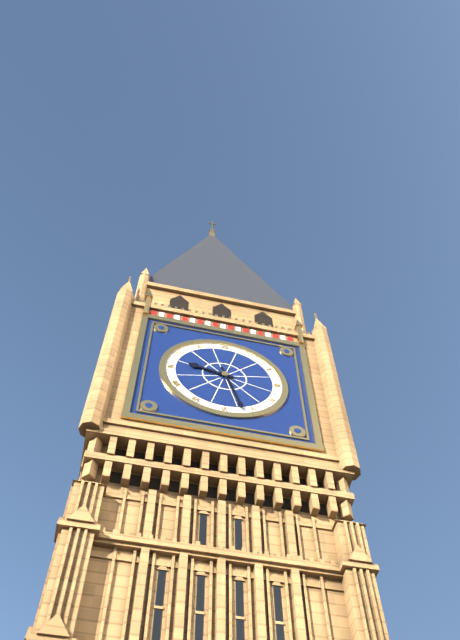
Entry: 9 h 27 min
